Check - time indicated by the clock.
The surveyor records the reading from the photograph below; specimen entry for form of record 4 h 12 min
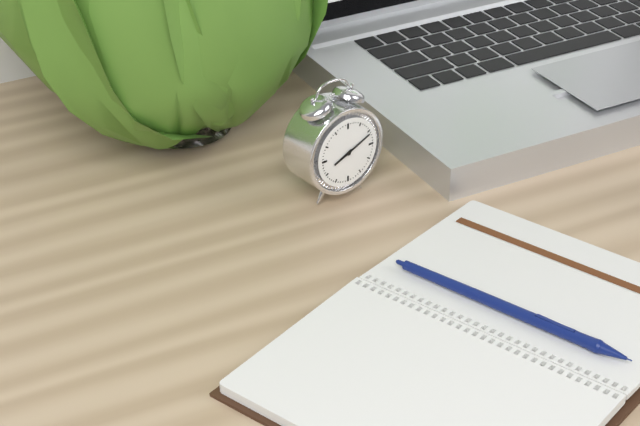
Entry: 8 h 11 min
